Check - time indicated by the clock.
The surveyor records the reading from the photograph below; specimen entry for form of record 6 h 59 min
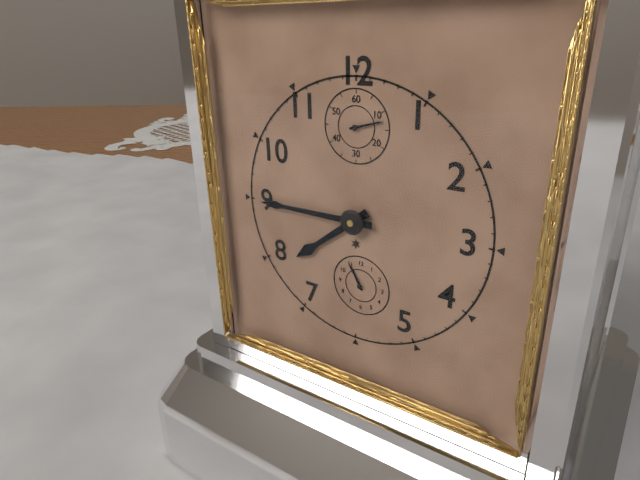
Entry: 7 h 45 min
